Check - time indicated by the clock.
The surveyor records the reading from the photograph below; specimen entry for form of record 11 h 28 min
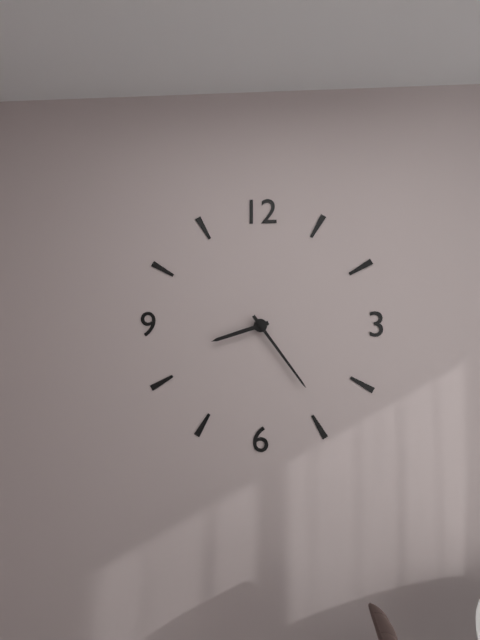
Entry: 8 h 24 min
